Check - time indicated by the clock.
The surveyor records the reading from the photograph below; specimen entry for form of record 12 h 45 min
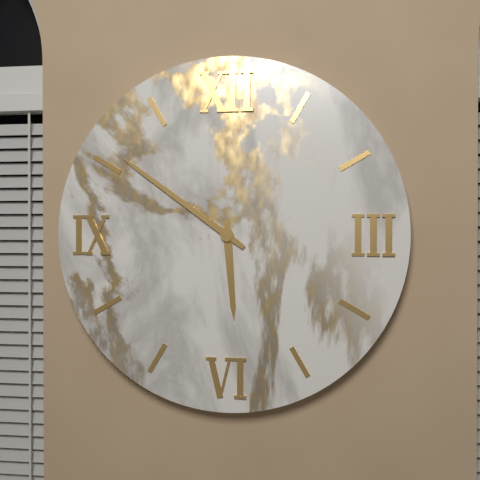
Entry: 5 h 51 min
